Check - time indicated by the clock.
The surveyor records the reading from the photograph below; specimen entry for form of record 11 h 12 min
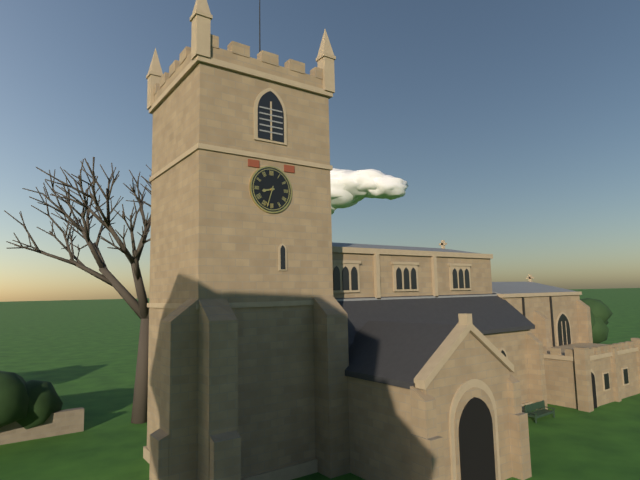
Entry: 8 h 33 min
